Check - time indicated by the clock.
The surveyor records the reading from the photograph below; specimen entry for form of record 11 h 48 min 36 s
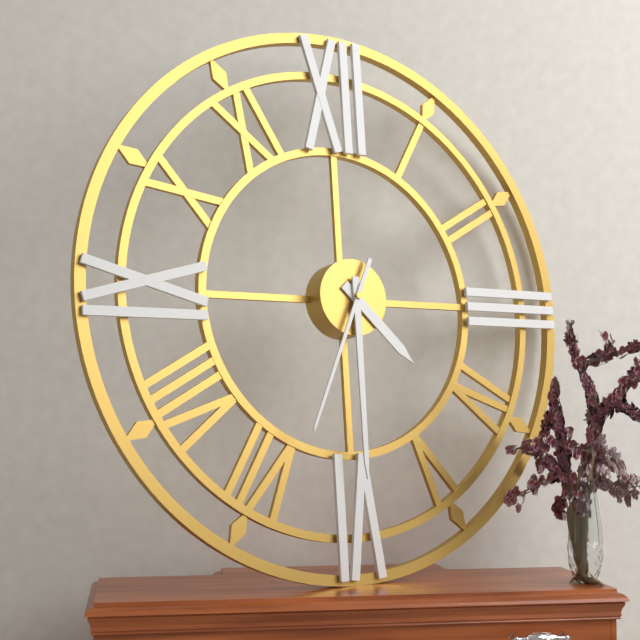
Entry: 4 h 30 min 34 s
